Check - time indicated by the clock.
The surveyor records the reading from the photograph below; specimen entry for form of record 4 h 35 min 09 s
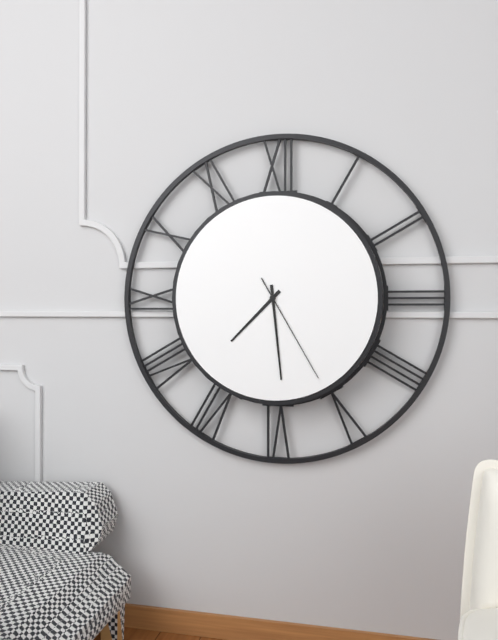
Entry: 7 h 29 min 25 s
